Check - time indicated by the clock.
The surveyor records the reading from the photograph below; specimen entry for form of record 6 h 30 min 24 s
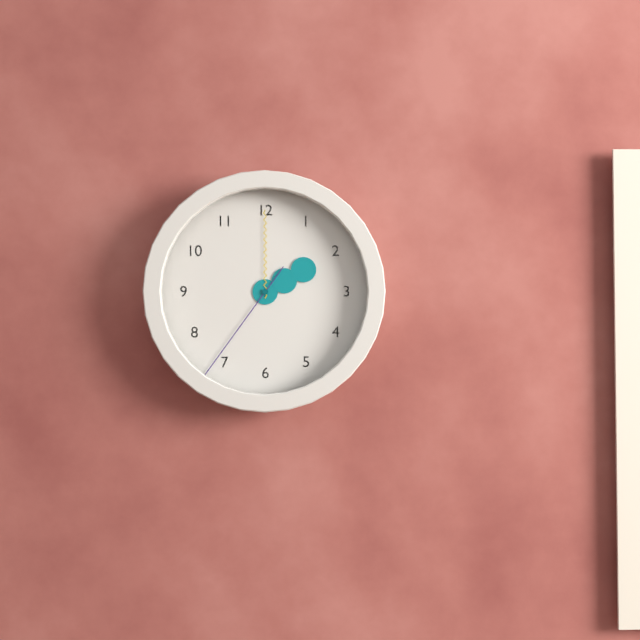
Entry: 2 h 00 min 36 s
